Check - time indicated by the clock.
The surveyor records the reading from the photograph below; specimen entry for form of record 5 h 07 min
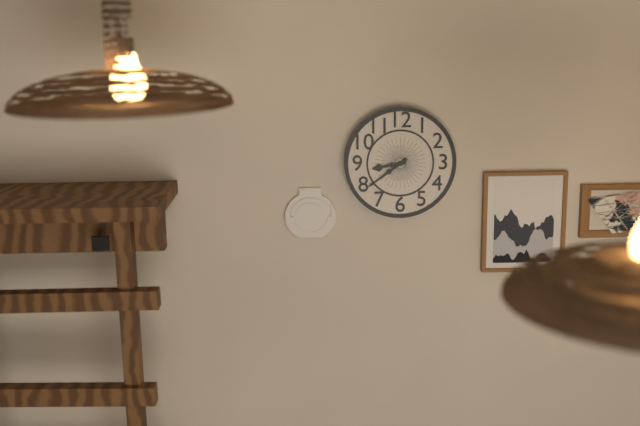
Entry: 8 h 39 min
